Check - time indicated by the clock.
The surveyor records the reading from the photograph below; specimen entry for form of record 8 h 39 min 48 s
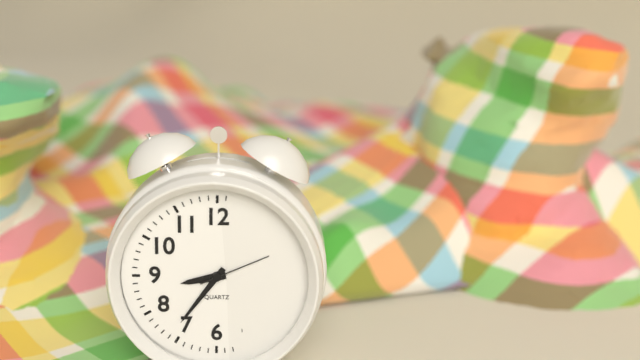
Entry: 8 h 36 min 11 s
